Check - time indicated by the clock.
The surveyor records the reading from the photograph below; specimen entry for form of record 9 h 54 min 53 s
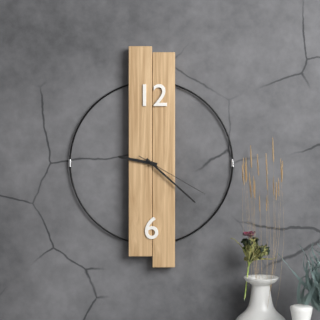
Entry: 9 h 22 min 20 s
